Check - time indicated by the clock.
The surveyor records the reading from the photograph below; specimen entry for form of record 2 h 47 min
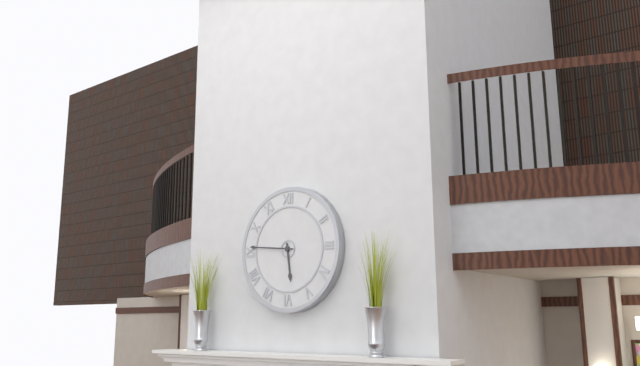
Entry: 5 h 46 min
